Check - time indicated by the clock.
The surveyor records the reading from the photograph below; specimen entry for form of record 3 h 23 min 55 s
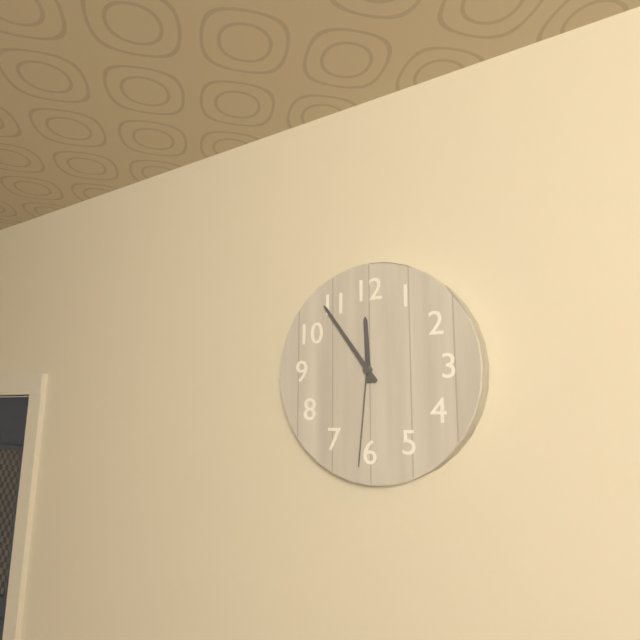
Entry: 11 h 54 min 31 s
